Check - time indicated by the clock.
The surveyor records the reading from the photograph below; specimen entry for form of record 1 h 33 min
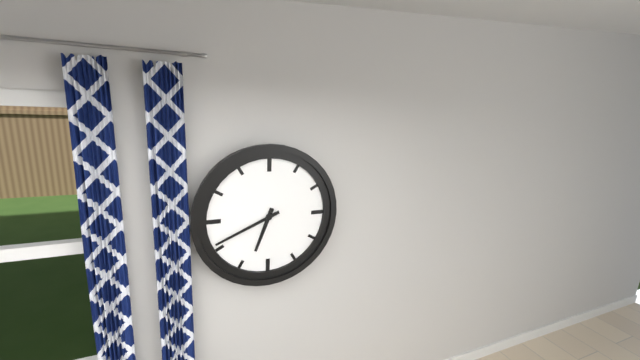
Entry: 6 h 41 min
